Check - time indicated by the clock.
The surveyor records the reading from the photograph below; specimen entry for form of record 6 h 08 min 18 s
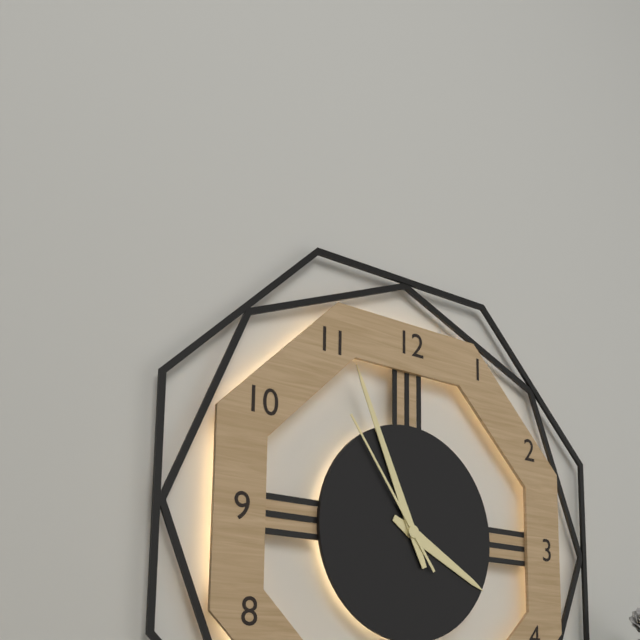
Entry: 3 h 56 min 54 s
